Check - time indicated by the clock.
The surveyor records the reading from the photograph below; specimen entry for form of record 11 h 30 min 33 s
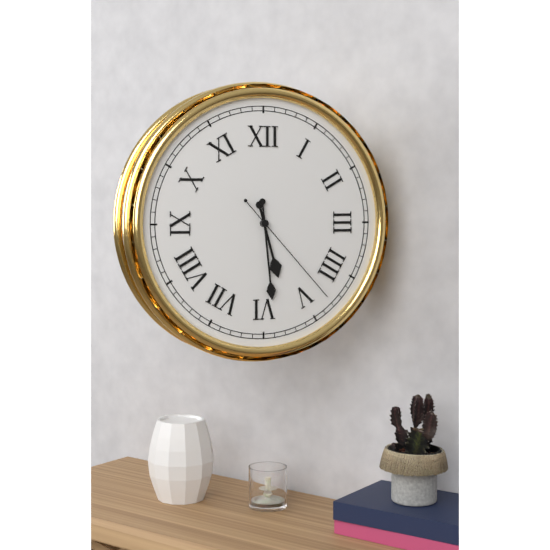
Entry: 5 h 29 min 23 s
